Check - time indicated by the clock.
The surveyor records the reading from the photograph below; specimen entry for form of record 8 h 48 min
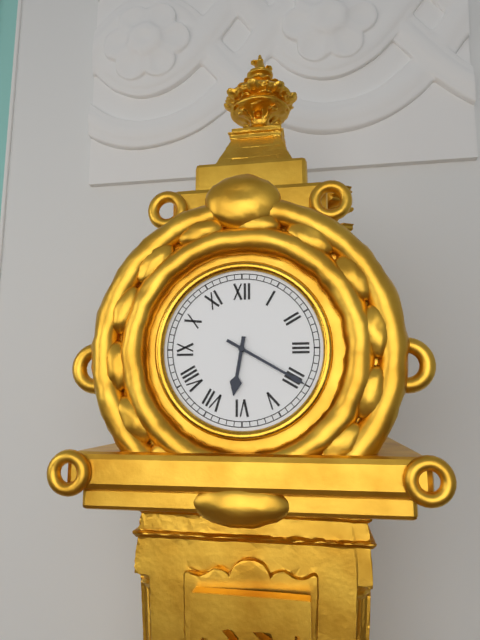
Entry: 6 h 20 min
